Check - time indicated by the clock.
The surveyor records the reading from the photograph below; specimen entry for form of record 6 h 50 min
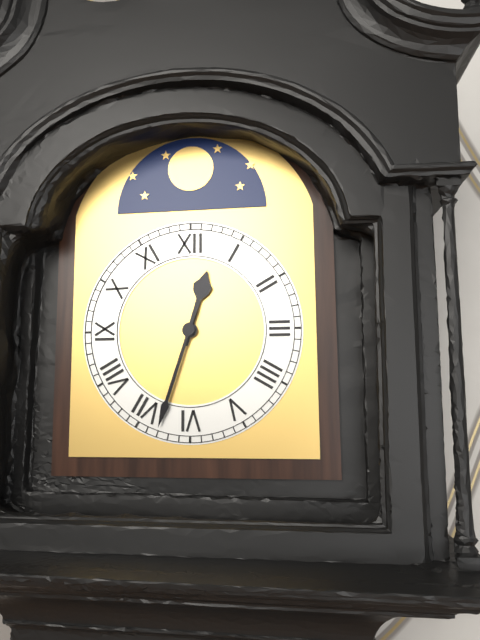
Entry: 12 h 33 min
